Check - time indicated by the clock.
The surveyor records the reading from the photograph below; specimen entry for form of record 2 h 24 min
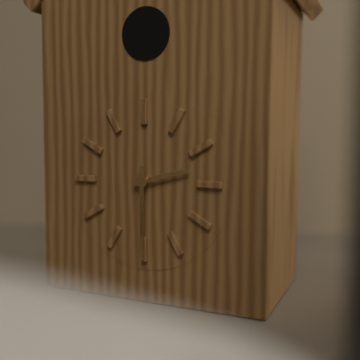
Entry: 2 h 30 min
